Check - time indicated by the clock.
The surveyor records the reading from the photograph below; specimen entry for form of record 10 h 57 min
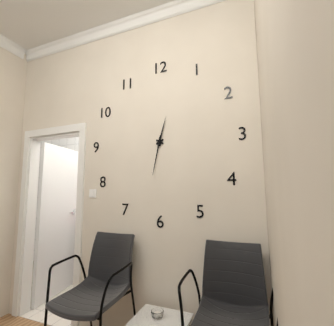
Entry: 12 h 32 min
